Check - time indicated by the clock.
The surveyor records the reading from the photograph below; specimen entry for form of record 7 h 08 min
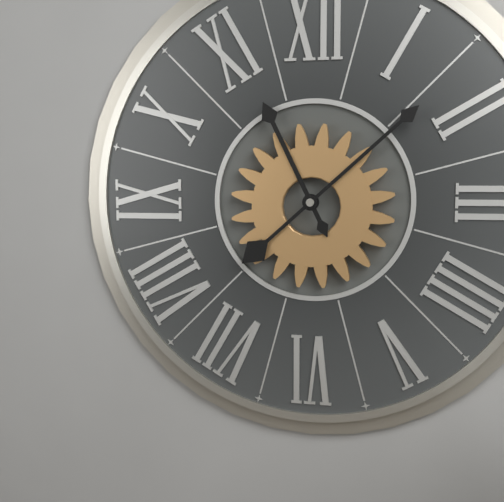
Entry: 11 h 08 min
